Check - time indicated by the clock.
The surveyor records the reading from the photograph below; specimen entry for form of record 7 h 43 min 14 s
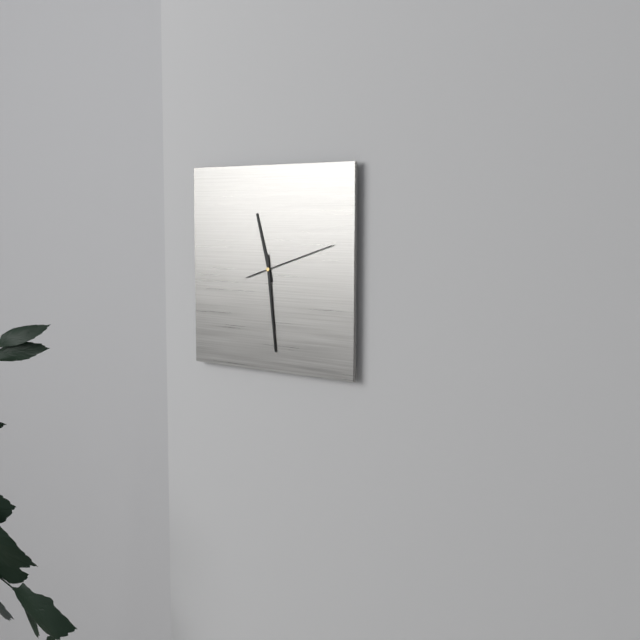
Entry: 11 h 29 min 12 s
